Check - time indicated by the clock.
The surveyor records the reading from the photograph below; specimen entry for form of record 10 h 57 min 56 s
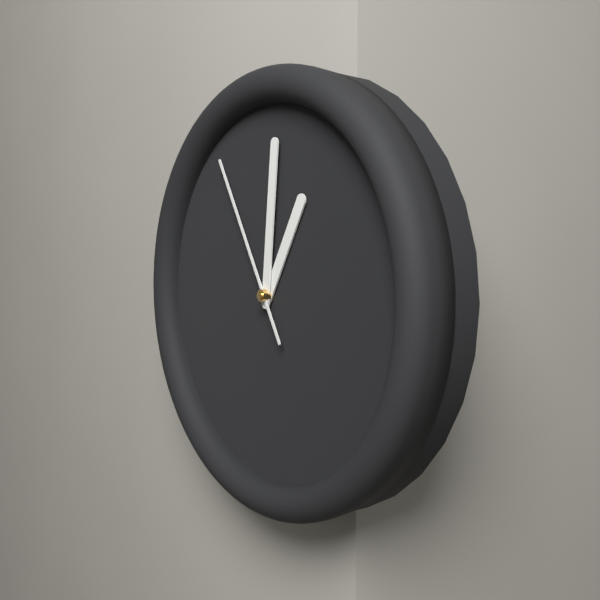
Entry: 1 h 01 min 55 s
